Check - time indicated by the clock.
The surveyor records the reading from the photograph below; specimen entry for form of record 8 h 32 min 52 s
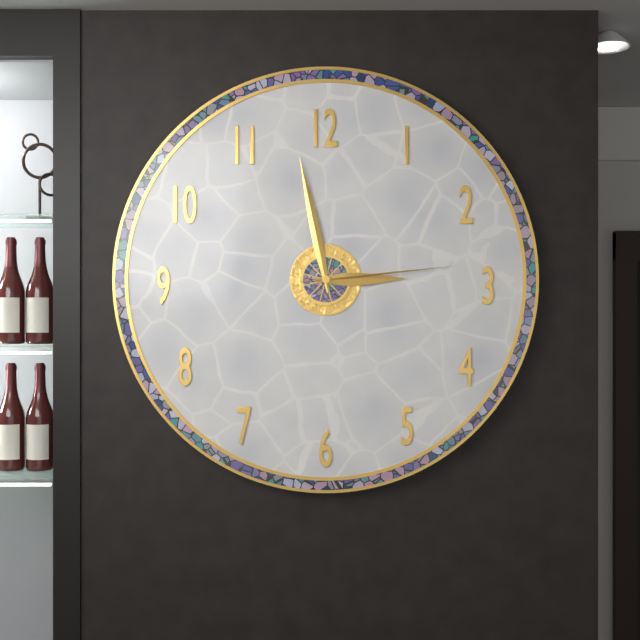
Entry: 2 h 58 min 14 s
